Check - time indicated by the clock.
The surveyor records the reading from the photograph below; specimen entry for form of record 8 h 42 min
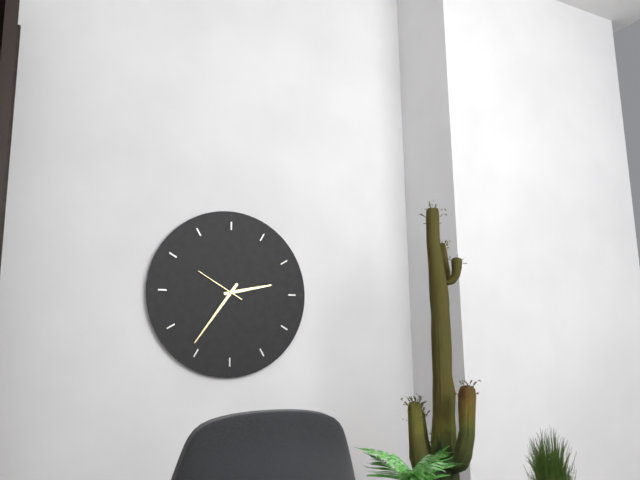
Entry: 2 h 36 min
